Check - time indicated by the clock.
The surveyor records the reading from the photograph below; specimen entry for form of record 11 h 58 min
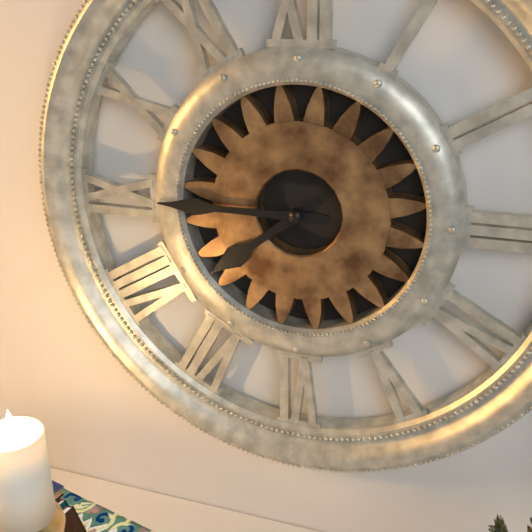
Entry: 7 h 45 min
